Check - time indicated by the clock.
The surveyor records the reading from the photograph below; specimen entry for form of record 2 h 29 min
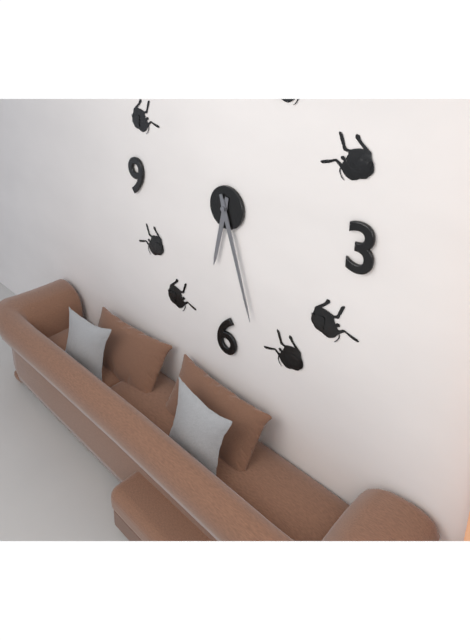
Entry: 6 h 27 min
